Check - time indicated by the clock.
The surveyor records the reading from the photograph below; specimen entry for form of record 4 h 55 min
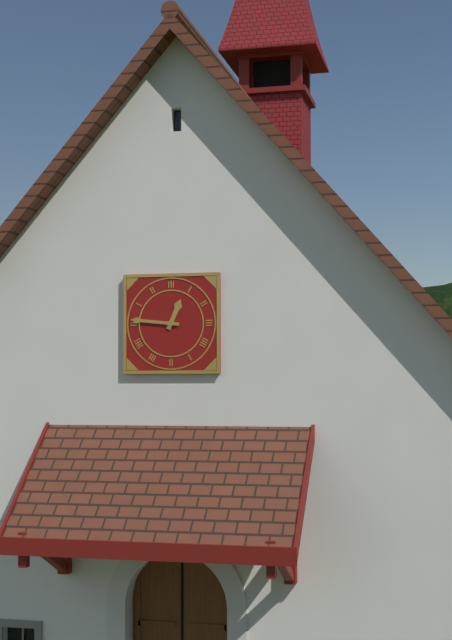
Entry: 12 h 46 min
